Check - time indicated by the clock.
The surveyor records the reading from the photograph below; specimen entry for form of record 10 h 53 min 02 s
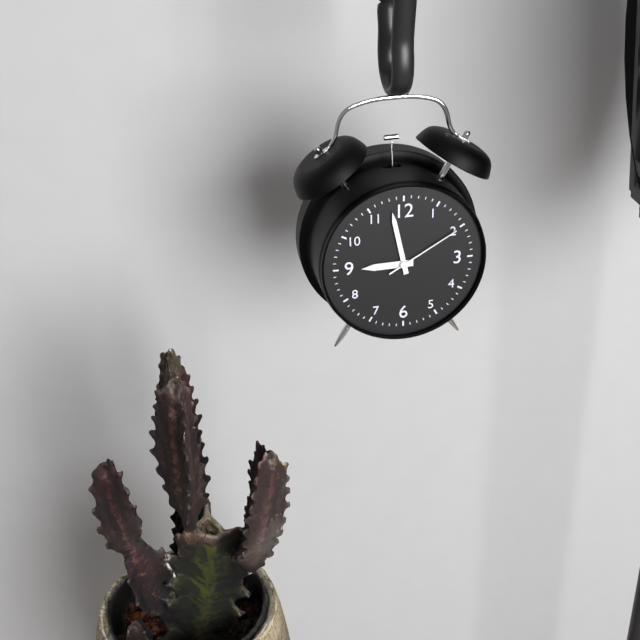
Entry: 8 h 58 min 10 s
